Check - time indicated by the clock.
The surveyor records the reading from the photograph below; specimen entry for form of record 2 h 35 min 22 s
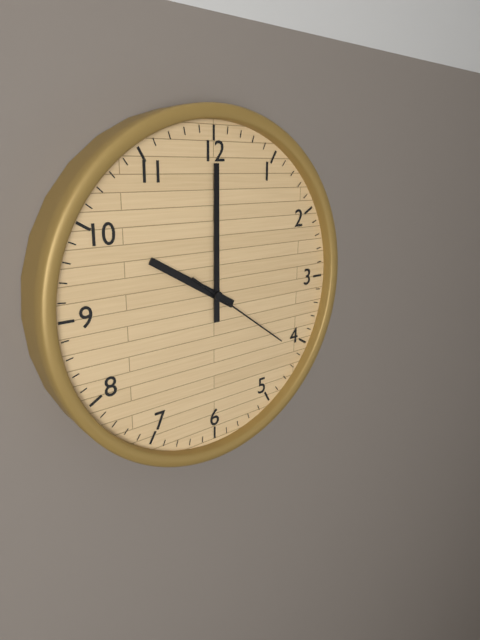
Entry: 10 h 00 min 21 s
